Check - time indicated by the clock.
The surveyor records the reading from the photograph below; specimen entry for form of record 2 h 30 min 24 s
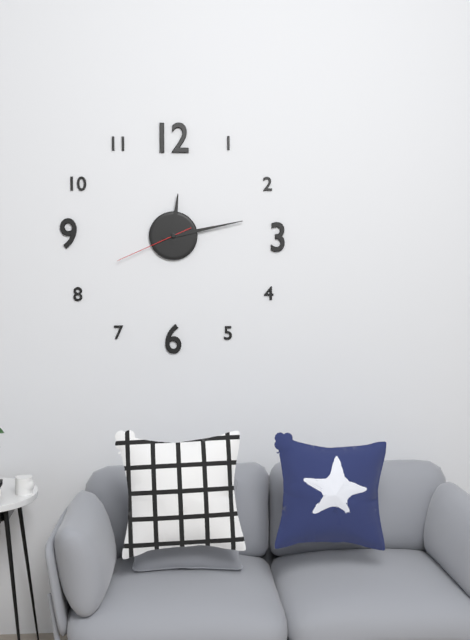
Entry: 12 h 13 min 41 s
